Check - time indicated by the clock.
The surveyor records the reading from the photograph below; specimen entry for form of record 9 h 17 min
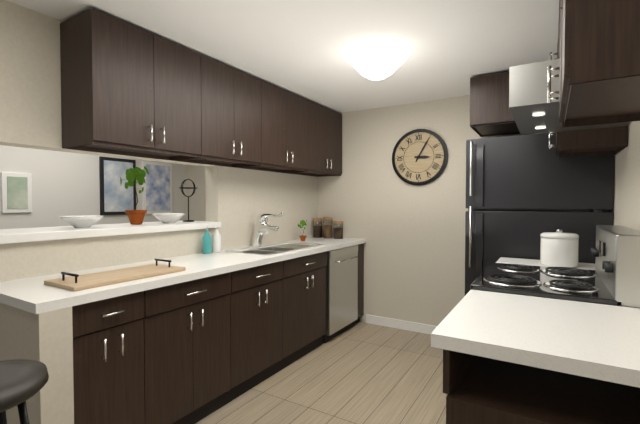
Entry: 3 h 05 min
